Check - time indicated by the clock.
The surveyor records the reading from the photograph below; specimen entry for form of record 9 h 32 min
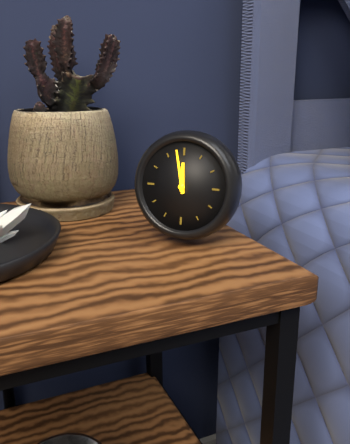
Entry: 11 h 58 min
